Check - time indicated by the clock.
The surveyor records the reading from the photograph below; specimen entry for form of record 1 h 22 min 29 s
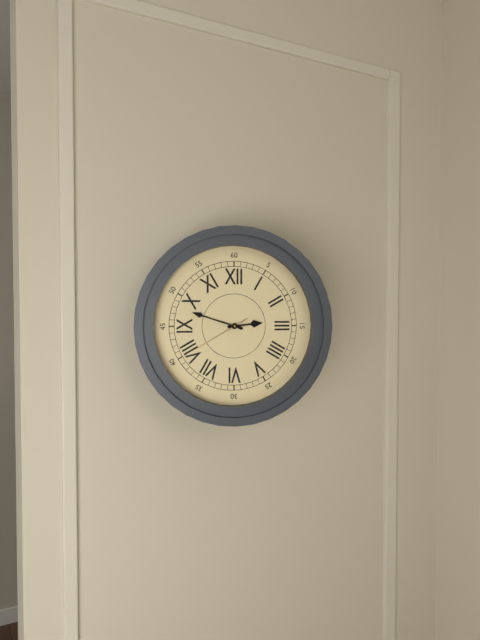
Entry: 2 h 48 min 40 s
